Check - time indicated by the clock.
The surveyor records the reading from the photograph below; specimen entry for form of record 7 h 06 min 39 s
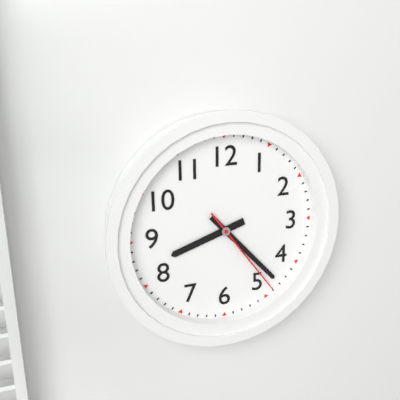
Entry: 8 h 23 min 24 s
